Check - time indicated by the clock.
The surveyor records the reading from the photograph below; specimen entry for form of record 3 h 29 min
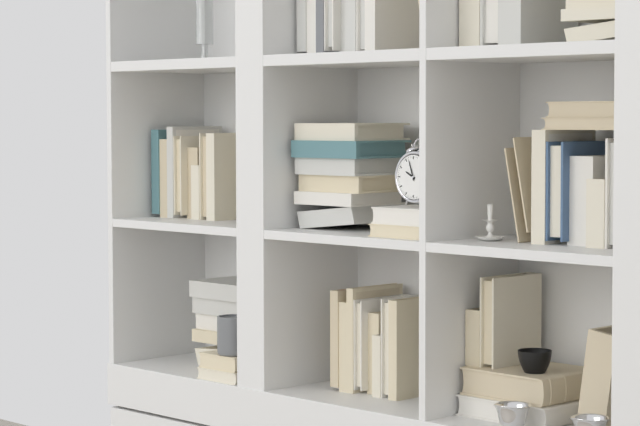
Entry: 9 h 57 min
